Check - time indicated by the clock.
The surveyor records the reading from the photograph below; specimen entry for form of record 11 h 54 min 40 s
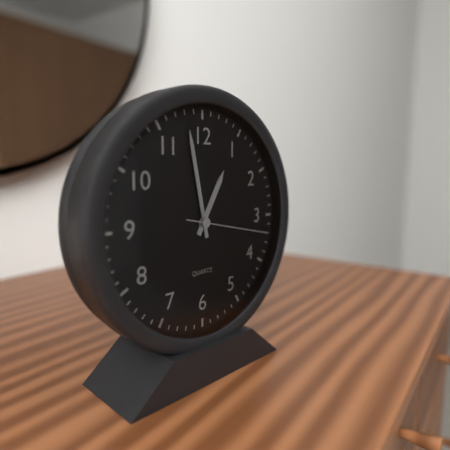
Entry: 12 h 58 min 17 s
